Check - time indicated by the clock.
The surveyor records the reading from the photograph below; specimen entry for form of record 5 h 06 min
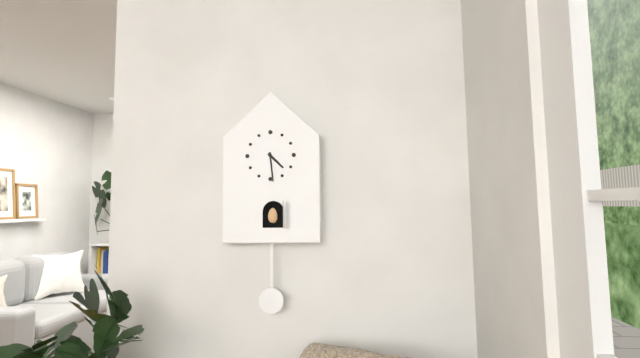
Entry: 4 h 29 min
